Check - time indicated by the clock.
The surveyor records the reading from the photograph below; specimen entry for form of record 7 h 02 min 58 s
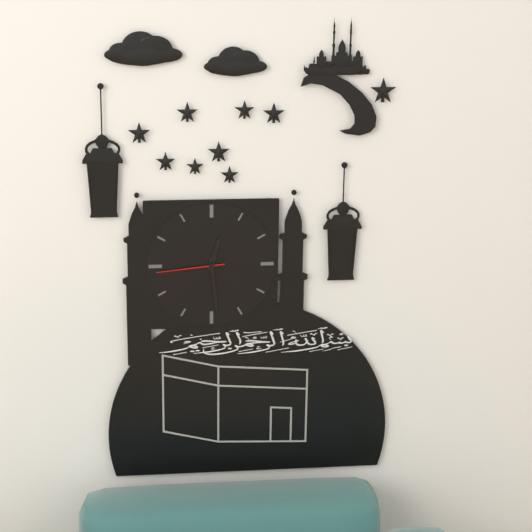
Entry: 12 h 29 min 44 s
